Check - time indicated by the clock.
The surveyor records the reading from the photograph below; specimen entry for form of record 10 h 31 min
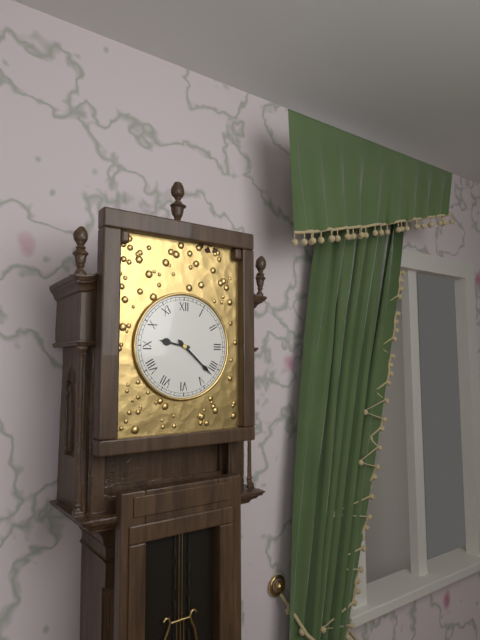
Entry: 9 h 22 min
